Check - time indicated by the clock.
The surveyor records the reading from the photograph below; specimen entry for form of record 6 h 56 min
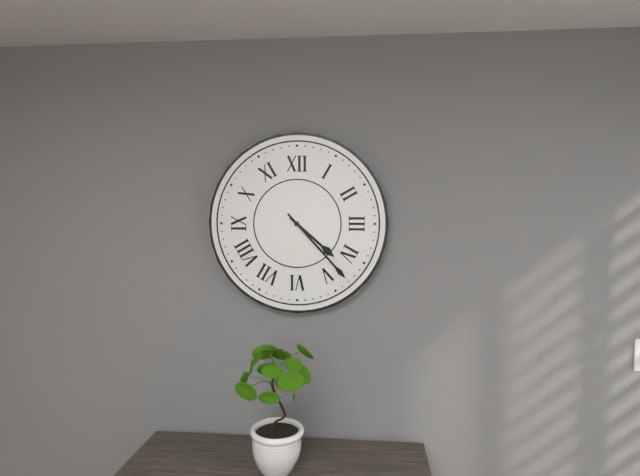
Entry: 4 h 23 min
